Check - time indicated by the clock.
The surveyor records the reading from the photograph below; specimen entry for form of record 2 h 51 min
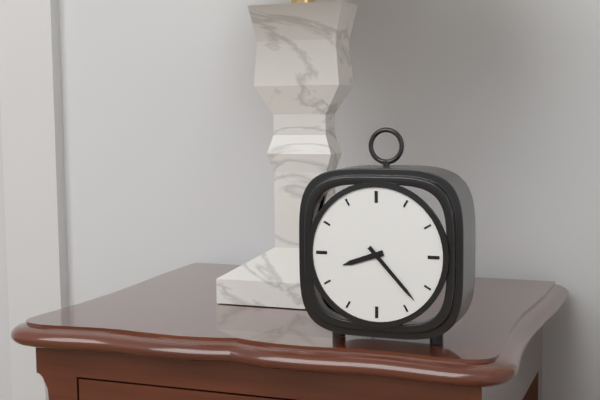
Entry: 8 h 23 min
